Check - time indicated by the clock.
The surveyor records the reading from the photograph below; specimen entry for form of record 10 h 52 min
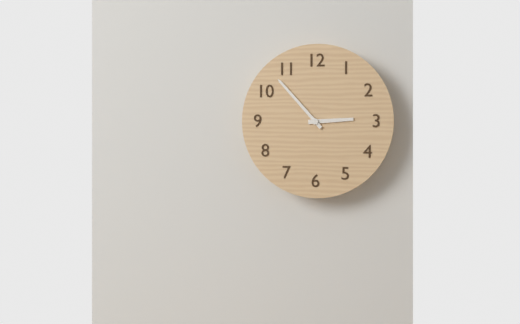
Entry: 2 h 53 min
